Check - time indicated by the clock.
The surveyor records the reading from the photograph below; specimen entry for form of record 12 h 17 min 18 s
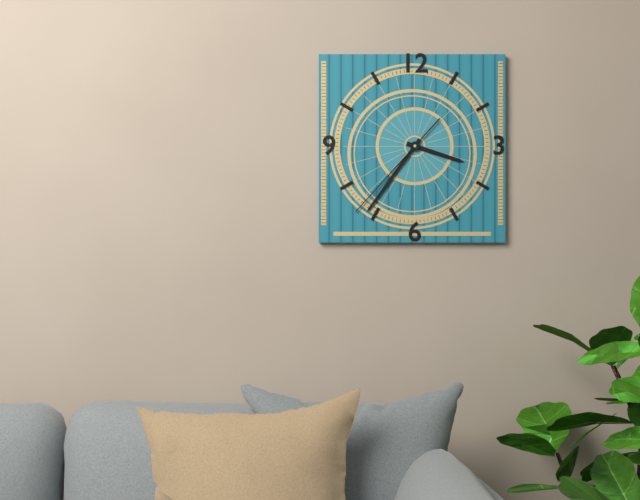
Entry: 3 h 36 min 37 s
